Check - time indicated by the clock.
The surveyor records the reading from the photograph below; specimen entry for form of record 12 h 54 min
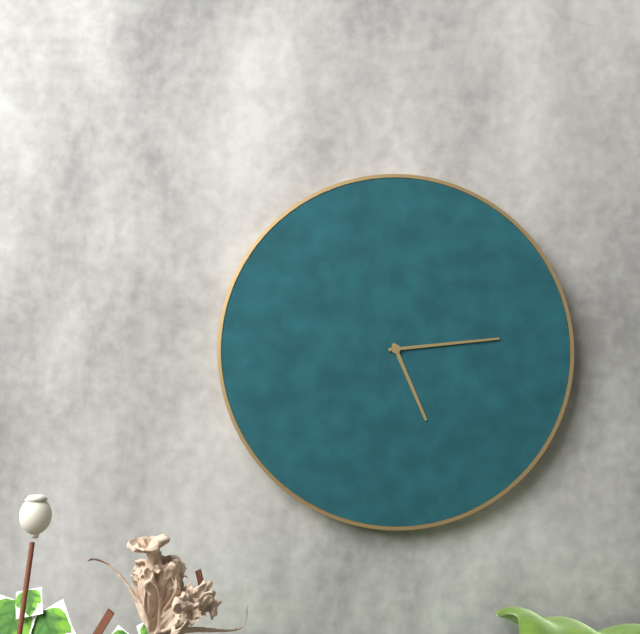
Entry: 5 h 14 min
